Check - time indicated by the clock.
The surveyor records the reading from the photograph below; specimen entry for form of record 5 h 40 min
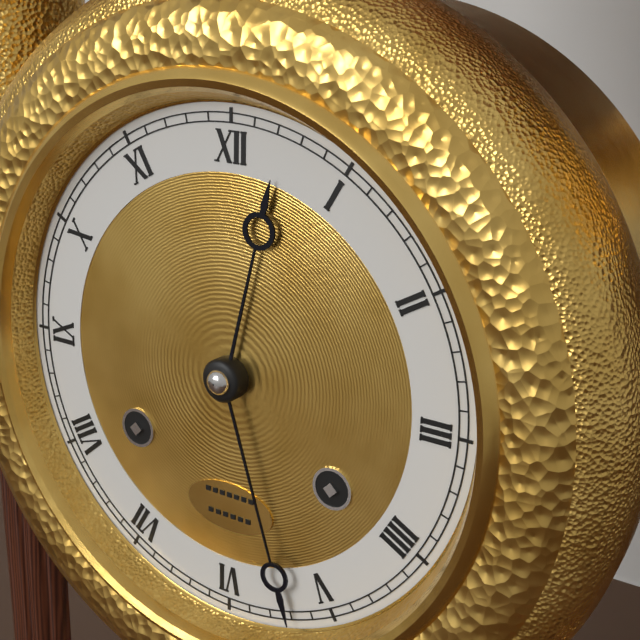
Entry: 12 h 27 min
